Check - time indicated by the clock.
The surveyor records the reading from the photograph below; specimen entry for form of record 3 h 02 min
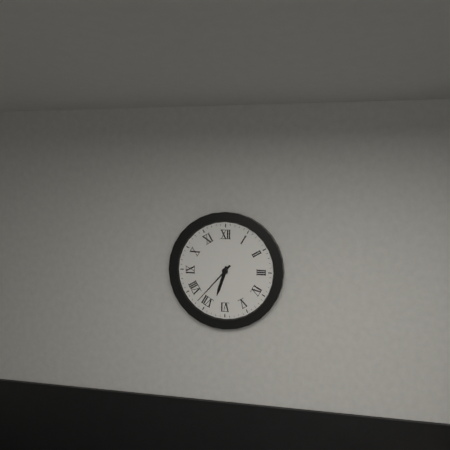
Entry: 6 h 37 min
